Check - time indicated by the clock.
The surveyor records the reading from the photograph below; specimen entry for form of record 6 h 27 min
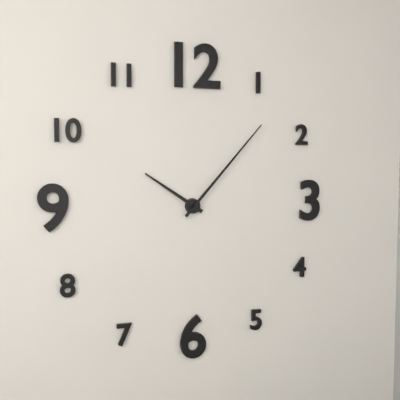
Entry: 10 h 07 min
